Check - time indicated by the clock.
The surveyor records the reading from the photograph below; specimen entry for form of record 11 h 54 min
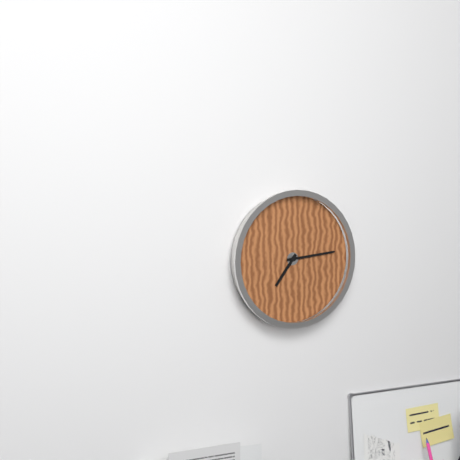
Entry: 7 h 14 min
